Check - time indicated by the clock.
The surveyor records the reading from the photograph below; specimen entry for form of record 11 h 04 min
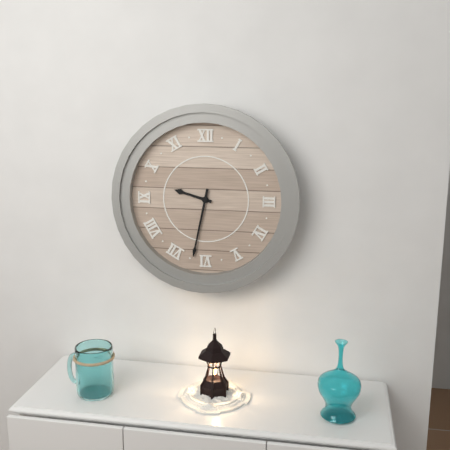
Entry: 9 h 32 min
